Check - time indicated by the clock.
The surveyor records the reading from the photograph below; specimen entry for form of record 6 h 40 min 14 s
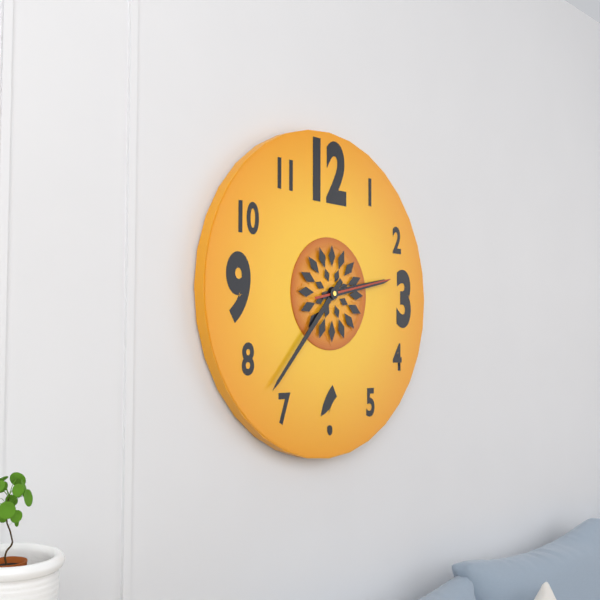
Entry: 2 h 37 min 13 s
